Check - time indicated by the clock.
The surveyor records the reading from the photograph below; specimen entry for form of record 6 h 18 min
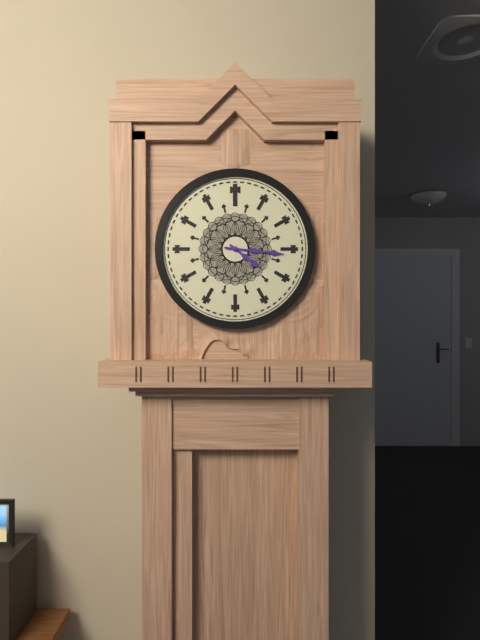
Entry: 4 h 16 min
